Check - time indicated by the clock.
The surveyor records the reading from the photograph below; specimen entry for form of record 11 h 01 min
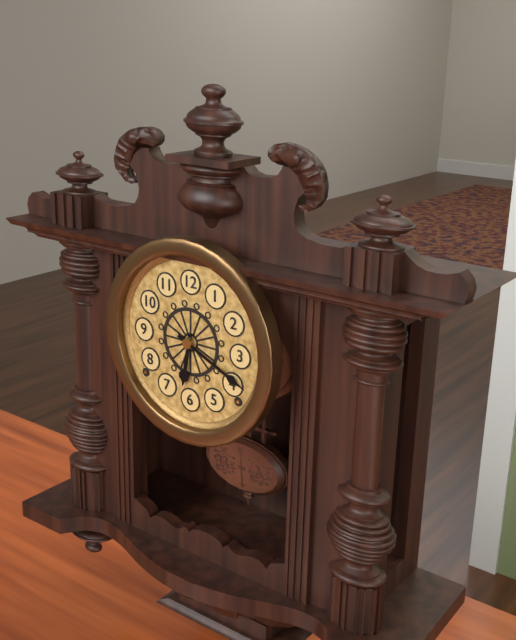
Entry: 6 h 19 min
